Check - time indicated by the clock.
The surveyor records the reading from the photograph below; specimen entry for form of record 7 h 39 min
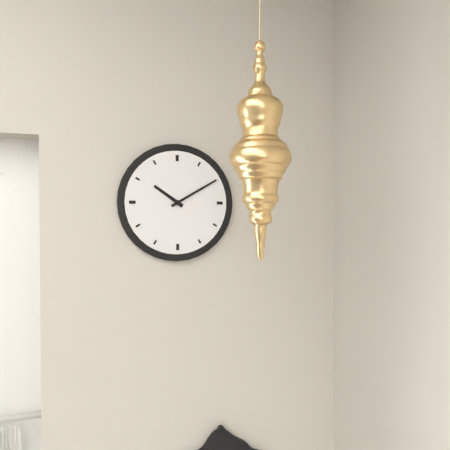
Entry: 10 h 10 min
